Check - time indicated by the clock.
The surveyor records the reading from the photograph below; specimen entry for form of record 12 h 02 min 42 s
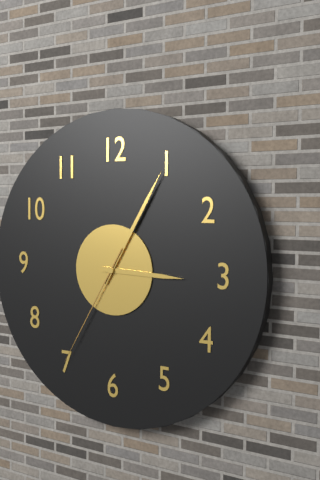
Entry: 3 h 05 min 35 s
